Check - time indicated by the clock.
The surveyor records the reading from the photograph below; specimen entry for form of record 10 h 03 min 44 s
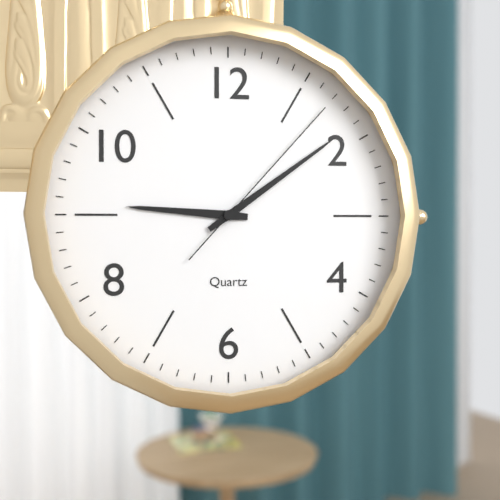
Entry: 9 h 09 min 07 s
